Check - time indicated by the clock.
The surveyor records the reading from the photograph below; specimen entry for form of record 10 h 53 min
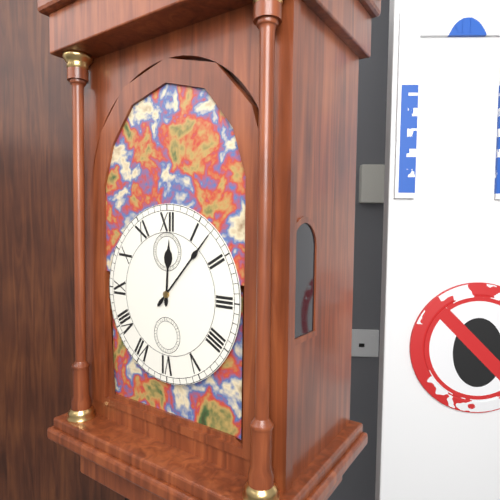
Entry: 12 h 07 min
